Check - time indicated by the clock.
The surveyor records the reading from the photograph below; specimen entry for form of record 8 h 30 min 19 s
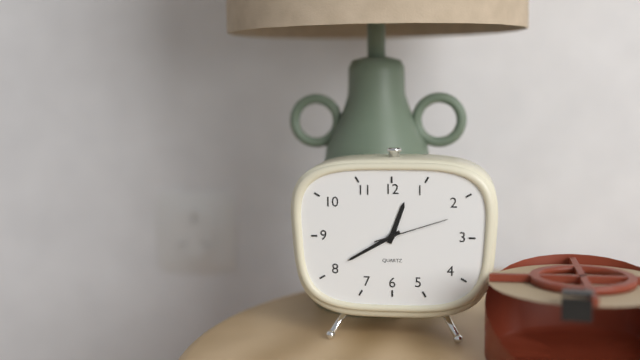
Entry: 12 h 40 min 12 s
